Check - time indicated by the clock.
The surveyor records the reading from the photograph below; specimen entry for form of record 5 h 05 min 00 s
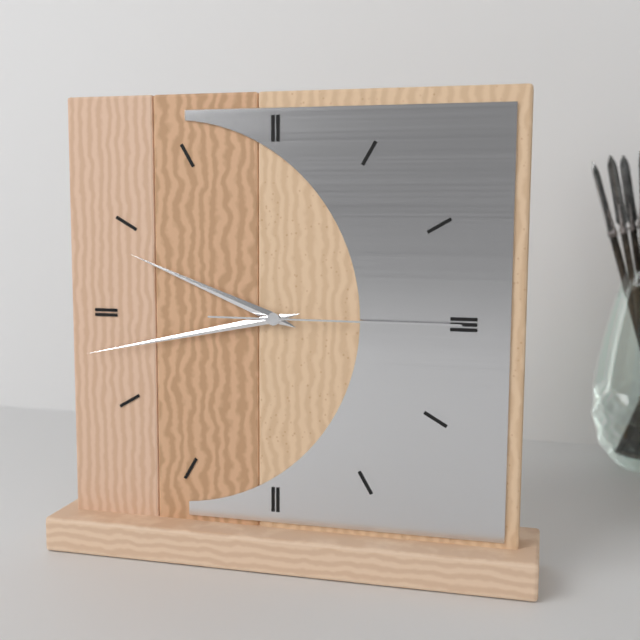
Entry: 9 h 43 min 15 s
